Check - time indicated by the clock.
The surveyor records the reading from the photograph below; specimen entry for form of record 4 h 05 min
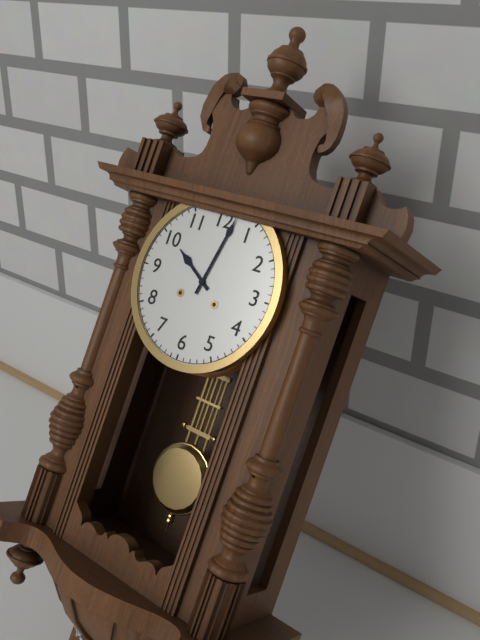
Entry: 10 h 02 min
